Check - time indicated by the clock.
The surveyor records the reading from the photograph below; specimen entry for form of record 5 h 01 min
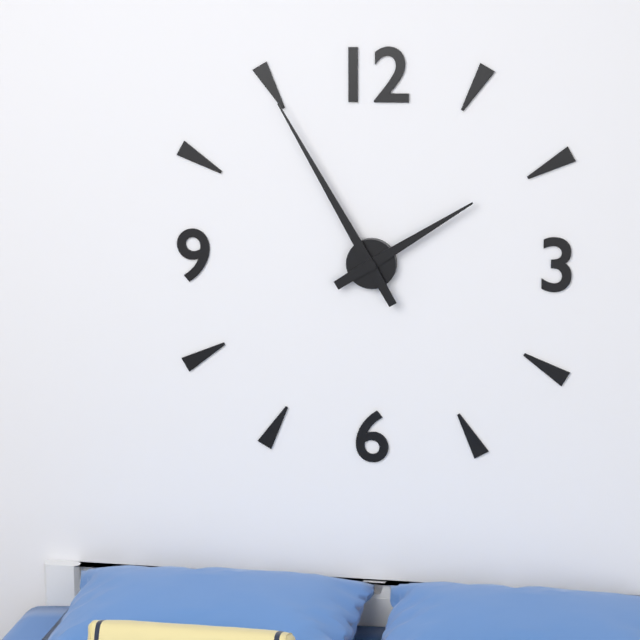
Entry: 1 h 55 min
